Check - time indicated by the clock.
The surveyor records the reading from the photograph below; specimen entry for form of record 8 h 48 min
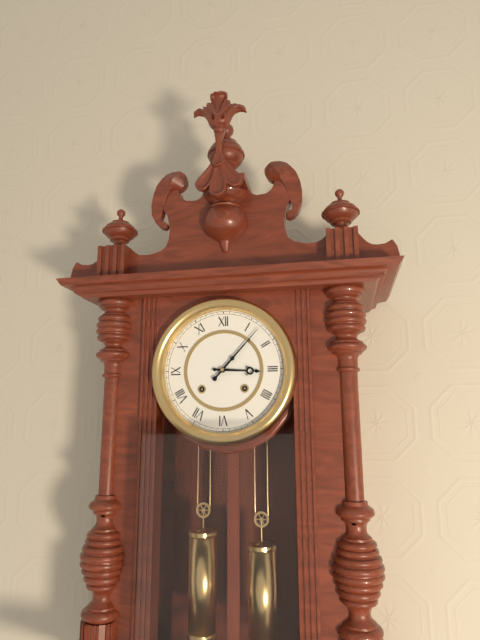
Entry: 3 h 07 min
